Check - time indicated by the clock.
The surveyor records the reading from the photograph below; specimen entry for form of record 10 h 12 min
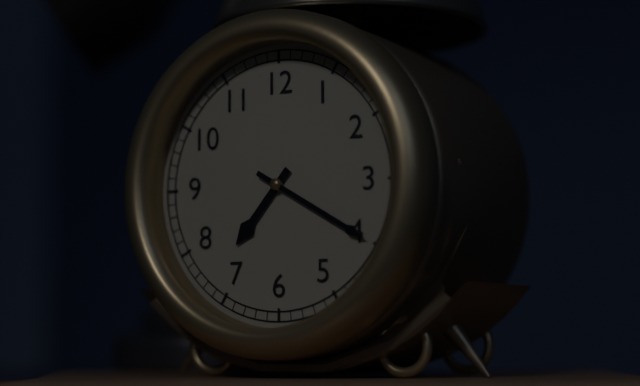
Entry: 7 h 20 min
